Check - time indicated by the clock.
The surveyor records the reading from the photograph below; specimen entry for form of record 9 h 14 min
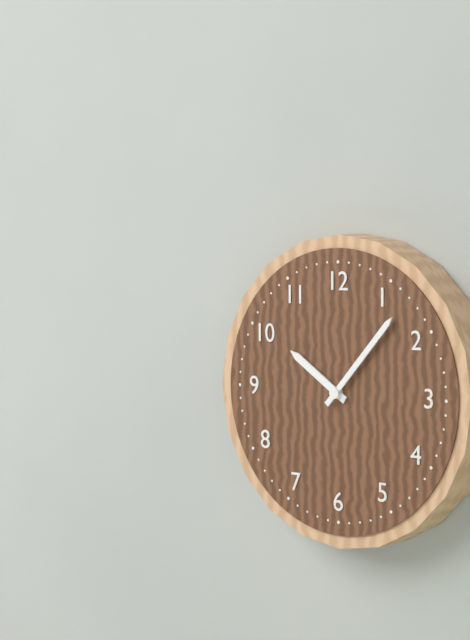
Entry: 10 h 07 min
